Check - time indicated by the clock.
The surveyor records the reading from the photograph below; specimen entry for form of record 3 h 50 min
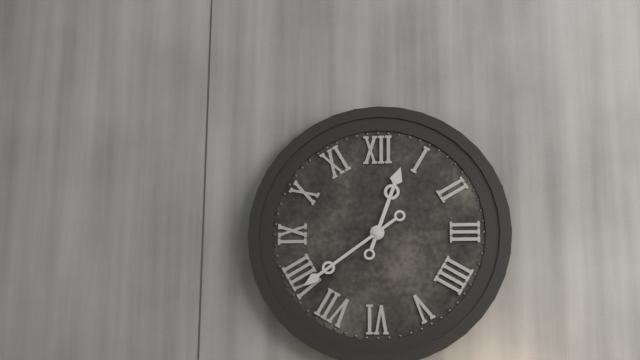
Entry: 12 h 39 min
